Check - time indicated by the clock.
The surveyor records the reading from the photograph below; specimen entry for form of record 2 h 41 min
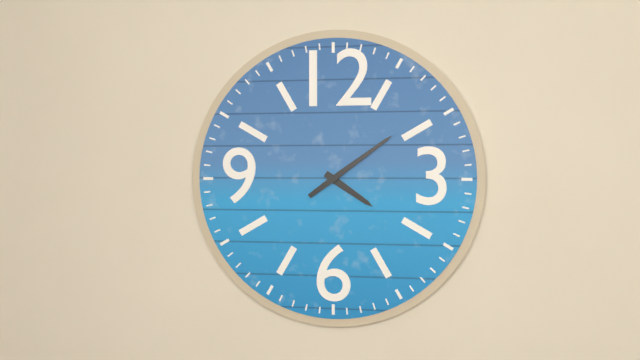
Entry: 4 h 09 min
